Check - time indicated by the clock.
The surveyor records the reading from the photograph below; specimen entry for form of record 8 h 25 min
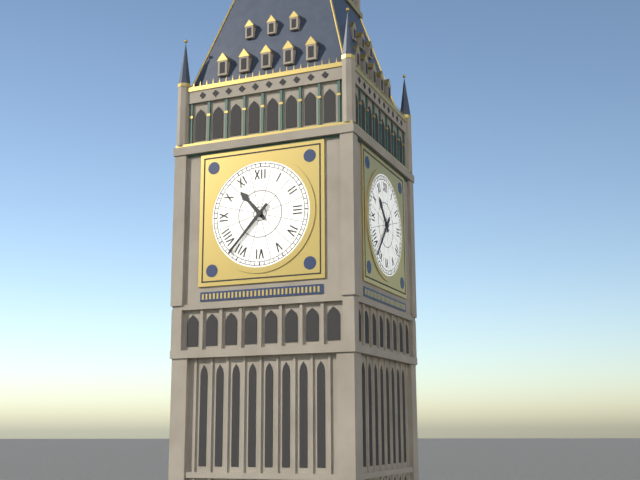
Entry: 10 h 37 min
